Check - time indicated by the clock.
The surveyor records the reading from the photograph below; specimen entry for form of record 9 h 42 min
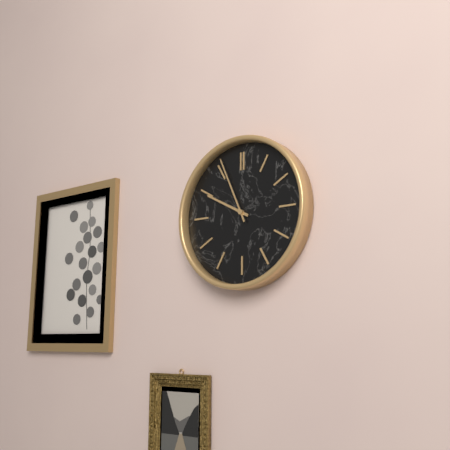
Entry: 9 h 56 min
